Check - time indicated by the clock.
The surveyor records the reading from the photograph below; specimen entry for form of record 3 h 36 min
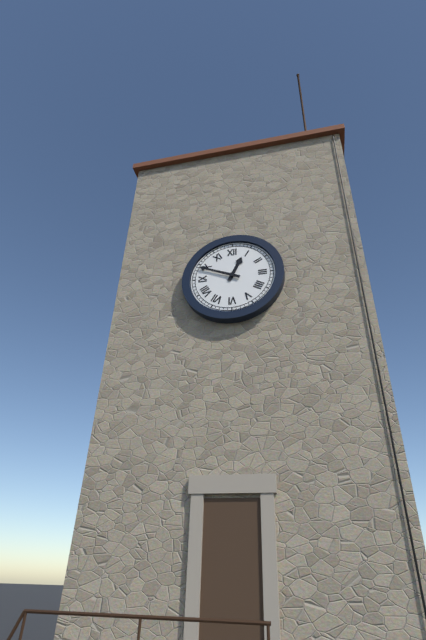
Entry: 12 h 49 min
